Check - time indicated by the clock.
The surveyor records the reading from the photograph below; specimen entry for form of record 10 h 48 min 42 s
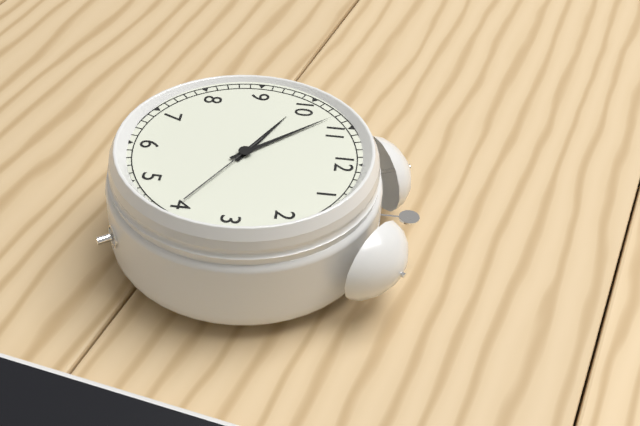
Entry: 9 h 53 min 20 s
